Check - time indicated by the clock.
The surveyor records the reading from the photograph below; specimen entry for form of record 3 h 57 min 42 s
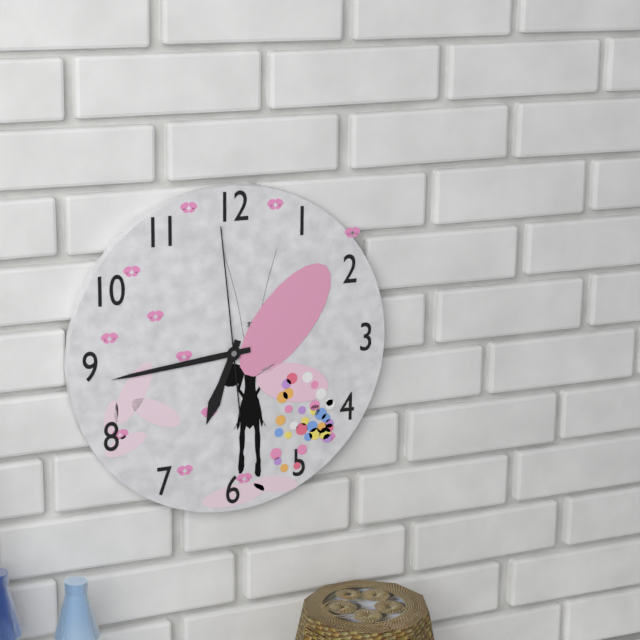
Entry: 6 h 44 min 59 s
